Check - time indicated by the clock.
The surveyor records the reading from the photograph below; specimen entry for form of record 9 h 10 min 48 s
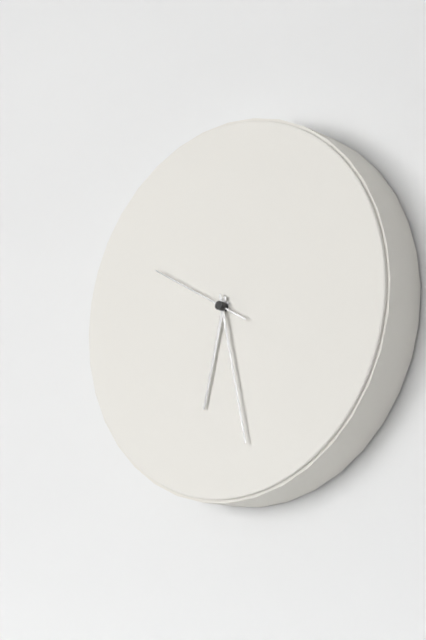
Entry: 6 h 28 min 50 s
